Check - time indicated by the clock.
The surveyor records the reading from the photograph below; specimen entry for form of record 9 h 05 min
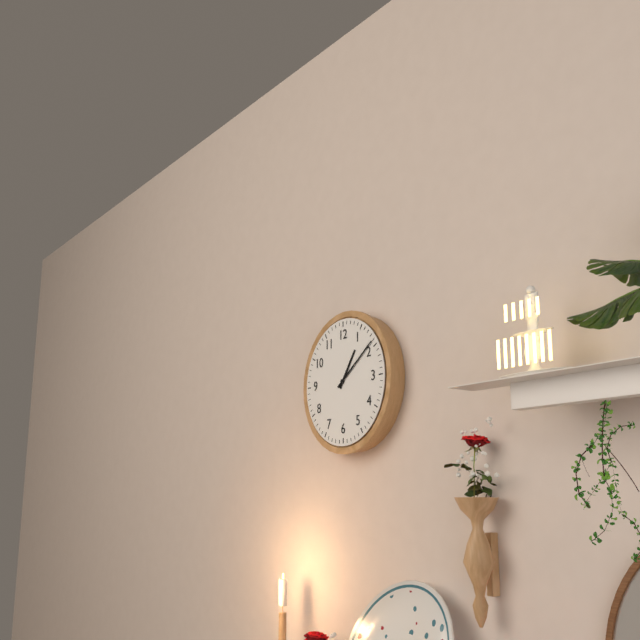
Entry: 1 h 09 min
